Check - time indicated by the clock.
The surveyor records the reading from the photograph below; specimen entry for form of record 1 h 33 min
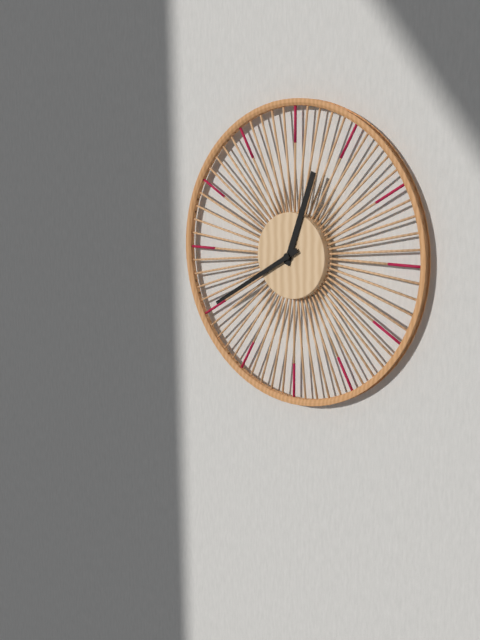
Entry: 12 h 40 min
